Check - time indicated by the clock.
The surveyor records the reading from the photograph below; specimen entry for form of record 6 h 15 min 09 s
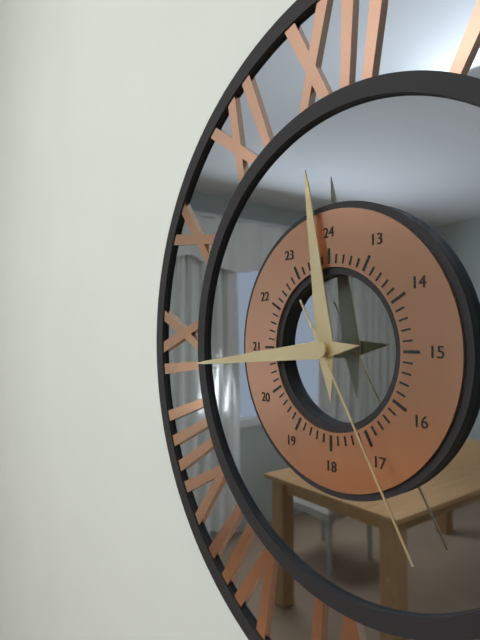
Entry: 11 h 44 min 25 s
